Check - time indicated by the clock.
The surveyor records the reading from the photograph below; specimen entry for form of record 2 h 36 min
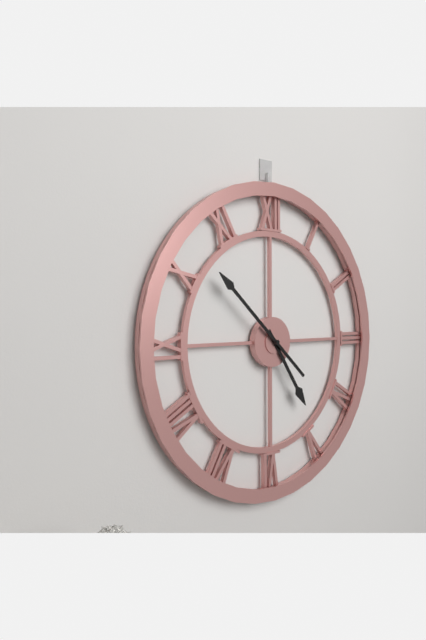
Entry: 4 h 52 min
